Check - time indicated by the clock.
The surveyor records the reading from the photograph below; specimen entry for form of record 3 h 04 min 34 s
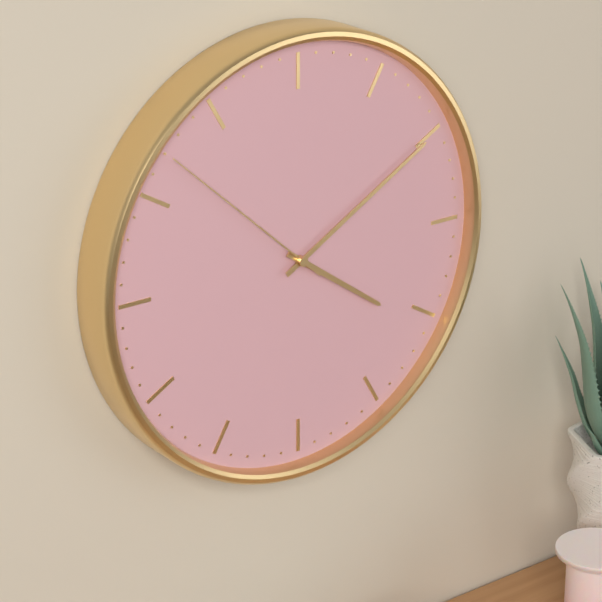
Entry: 4 h 10 min 52 s
